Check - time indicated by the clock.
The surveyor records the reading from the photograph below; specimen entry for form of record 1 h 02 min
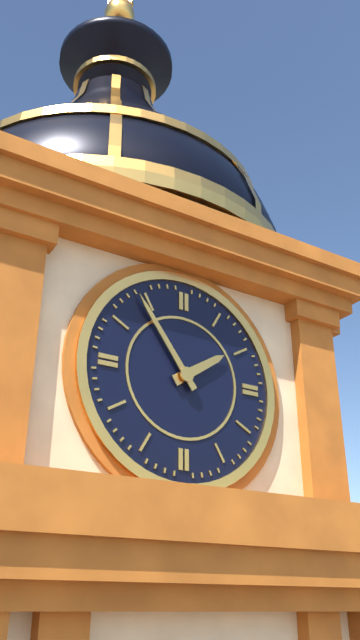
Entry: 1 h 54 min
